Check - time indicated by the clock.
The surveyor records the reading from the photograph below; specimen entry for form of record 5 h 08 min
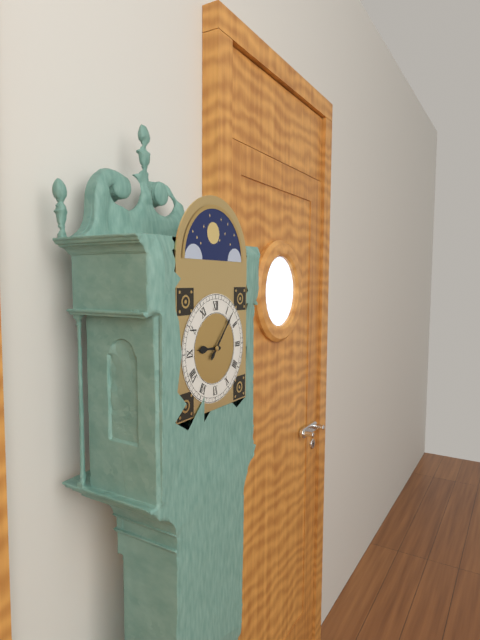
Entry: 9 h 07 min
